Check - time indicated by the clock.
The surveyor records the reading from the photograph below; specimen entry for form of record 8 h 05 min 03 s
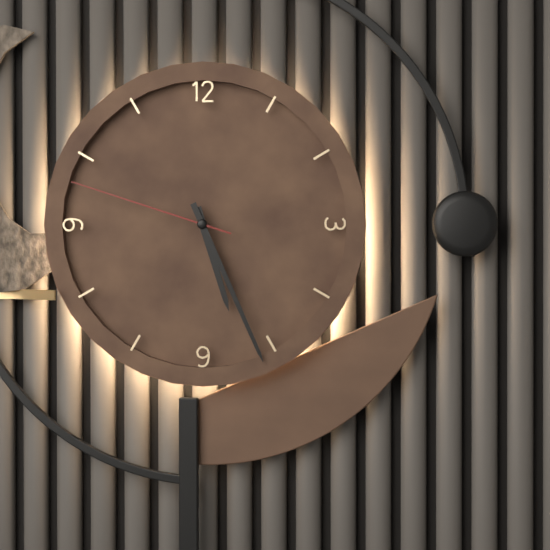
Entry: 5 h 26 min 48 s
